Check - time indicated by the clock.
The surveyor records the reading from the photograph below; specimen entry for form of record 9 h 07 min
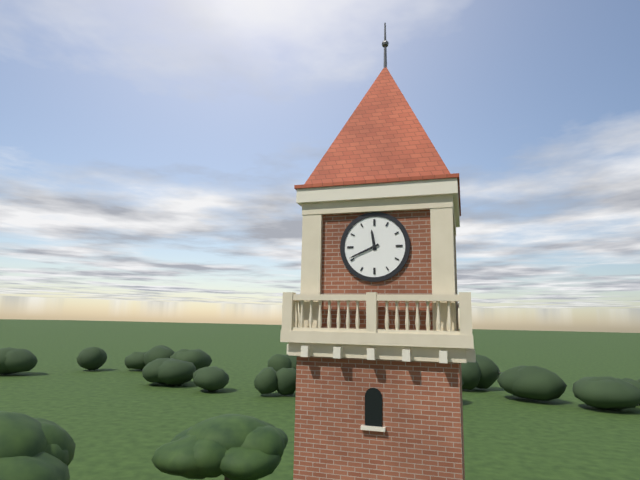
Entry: 11 h 41 min
